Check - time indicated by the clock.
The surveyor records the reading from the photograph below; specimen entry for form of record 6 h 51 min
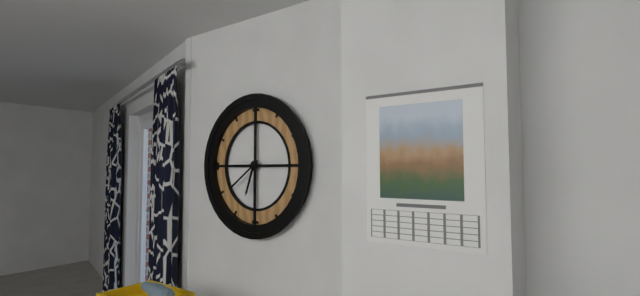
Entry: 6 h 39 min
